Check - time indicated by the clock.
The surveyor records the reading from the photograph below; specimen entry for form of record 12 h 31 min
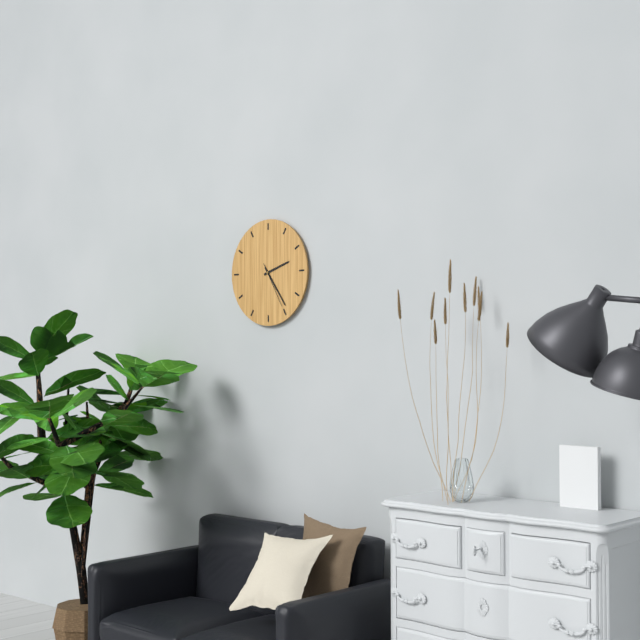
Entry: 2 h 24 min
